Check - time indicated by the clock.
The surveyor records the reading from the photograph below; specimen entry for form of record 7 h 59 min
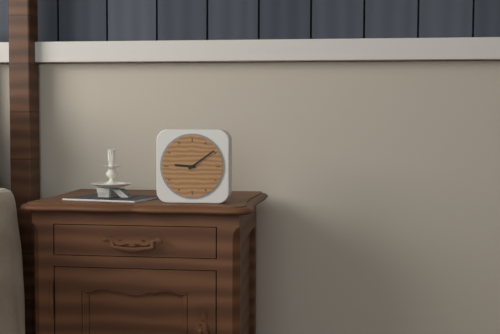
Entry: 9 h 09 min
